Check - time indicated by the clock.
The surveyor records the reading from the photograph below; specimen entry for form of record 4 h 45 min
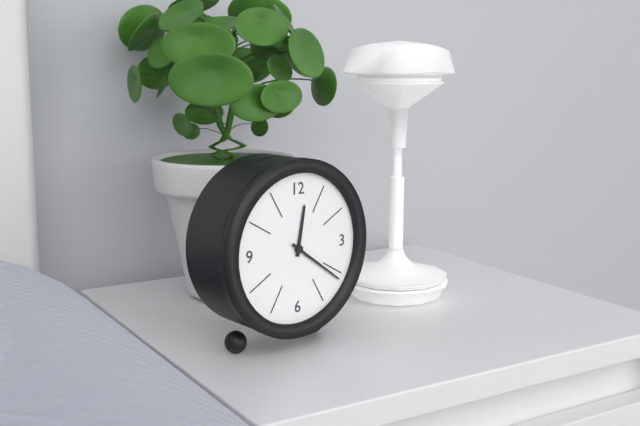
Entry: 12 h 21 min
